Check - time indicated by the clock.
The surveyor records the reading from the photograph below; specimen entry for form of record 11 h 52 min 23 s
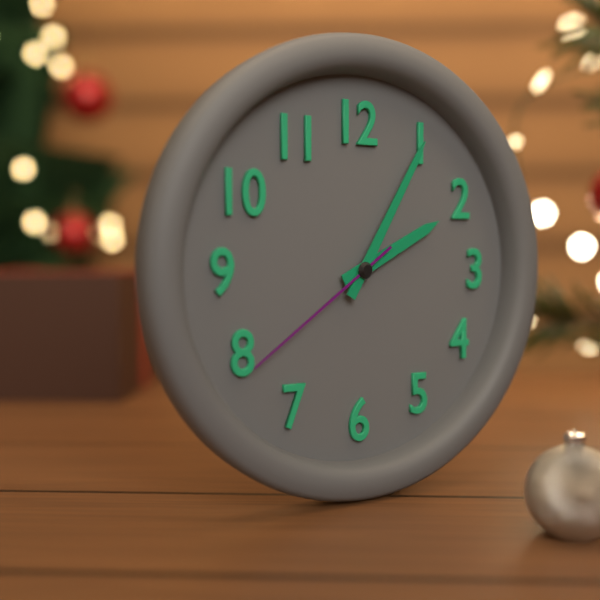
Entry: 2 h 05 min 39 s
